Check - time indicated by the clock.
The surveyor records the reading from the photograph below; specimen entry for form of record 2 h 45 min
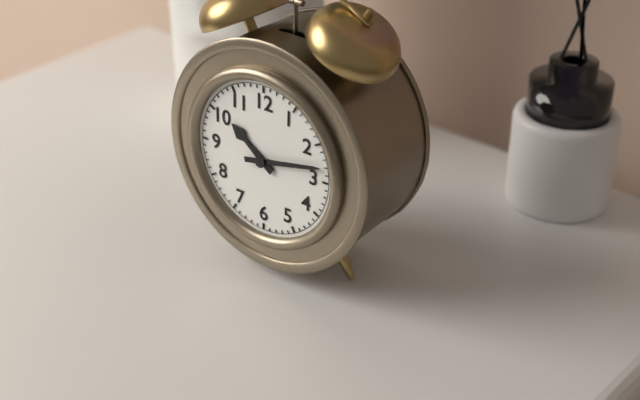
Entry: 10 h 13 min
